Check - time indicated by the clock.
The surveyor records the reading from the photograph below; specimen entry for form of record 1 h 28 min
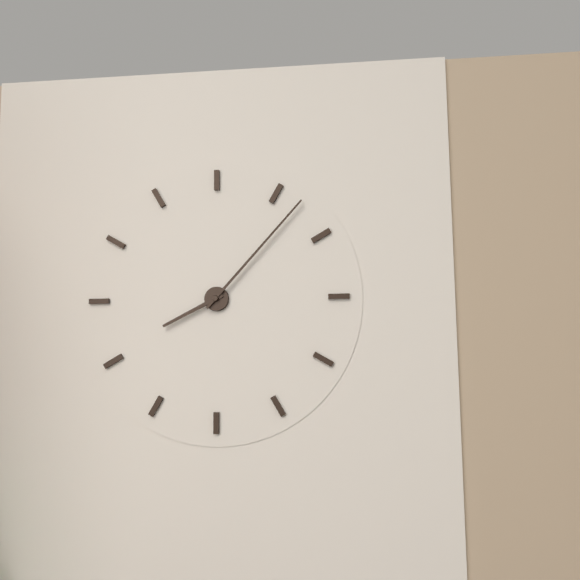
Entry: 8 h 07 min
